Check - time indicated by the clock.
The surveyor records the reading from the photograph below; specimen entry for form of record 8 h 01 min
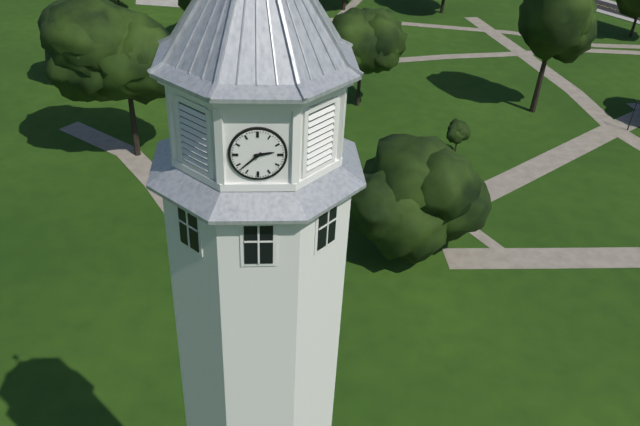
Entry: 2 h 38 min
